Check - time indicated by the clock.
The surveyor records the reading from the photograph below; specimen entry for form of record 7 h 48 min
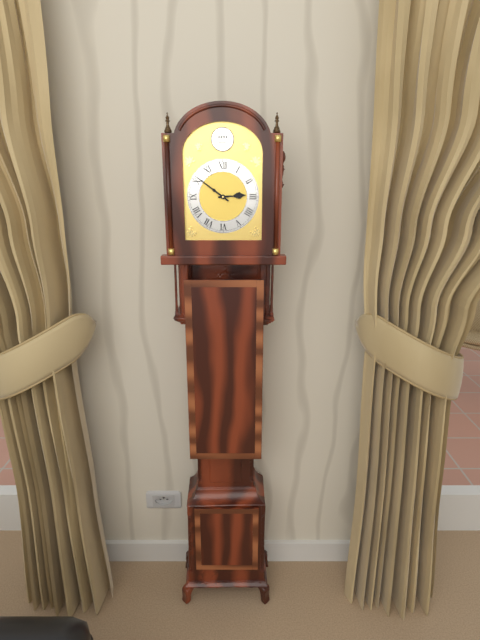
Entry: 2 h 51 min
